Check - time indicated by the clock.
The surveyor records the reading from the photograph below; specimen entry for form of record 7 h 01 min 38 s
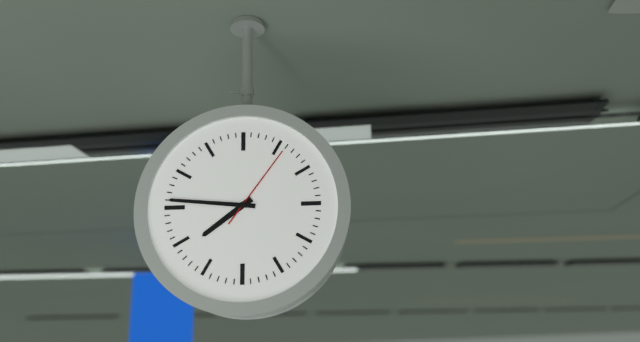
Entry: 7 h 46 min 06 s
